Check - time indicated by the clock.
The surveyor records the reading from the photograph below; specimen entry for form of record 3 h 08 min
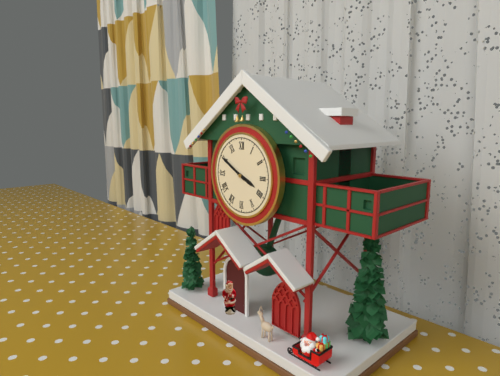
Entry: 3 h 50 min
